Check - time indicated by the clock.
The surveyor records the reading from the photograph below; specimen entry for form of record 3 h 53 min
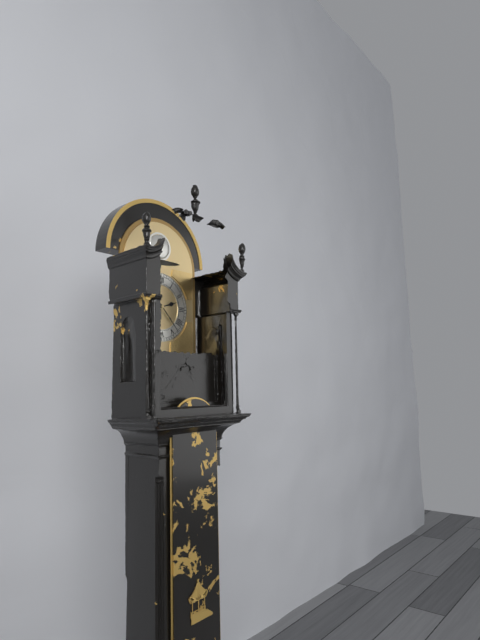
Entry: 2 h 23 min
